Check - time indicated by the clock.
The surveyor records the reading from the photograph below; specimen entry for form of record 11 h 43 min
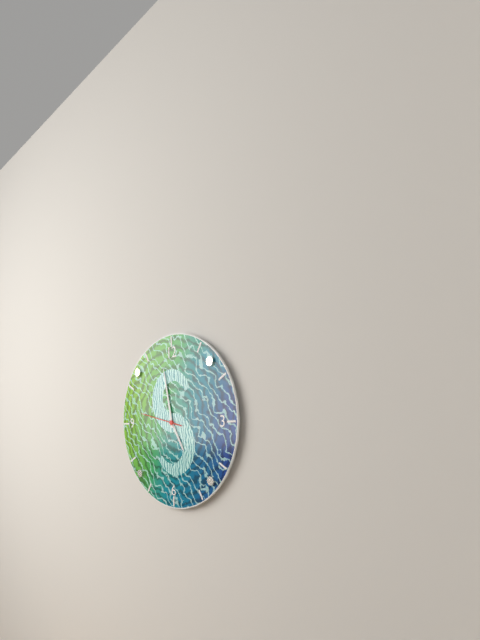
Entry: 4 h 58 min
